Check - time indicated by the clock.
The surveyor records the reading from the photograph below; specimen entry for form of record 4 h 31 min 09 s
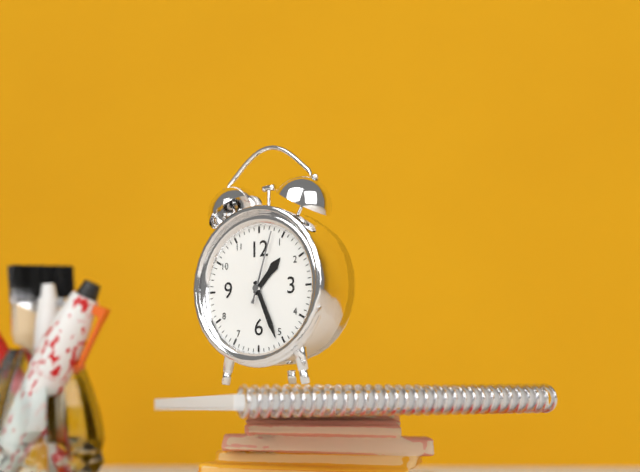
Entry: 1 h 26 min 03 s
